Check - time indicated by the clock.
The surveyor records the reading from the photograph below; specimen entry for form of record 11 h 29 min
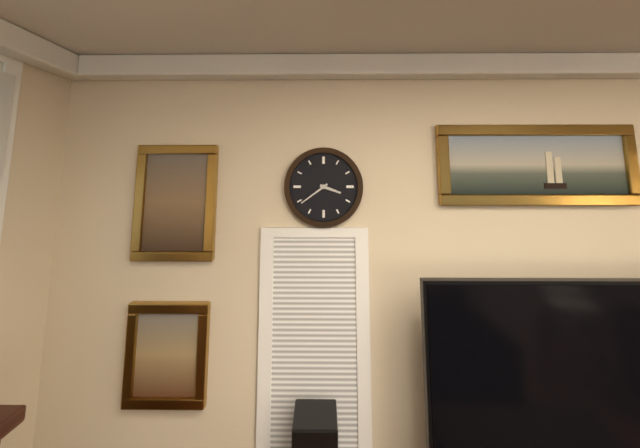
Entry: 3 h 39 min
